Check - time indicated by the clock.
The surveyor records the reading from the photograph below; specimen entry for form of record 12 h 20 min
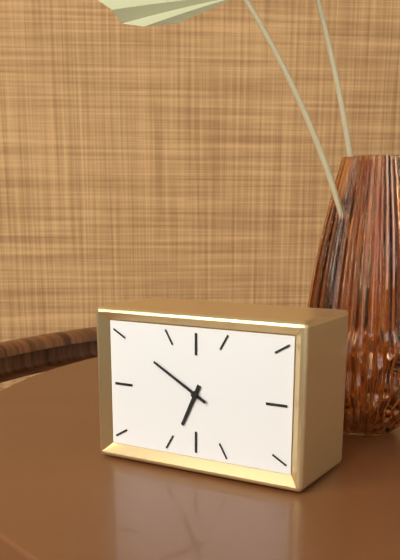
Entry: 6 h 50 min
